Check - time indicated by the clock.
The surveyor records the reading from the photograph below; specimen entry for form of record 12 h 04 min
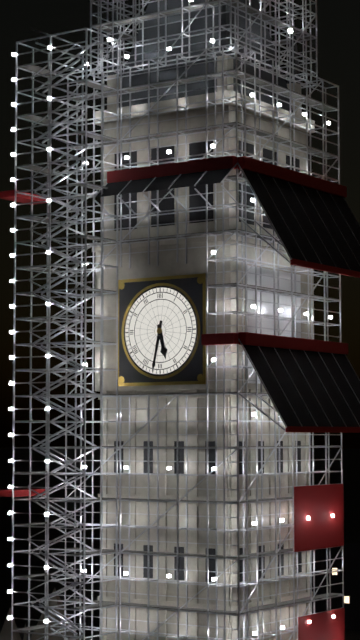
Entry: 5 h 32 min
